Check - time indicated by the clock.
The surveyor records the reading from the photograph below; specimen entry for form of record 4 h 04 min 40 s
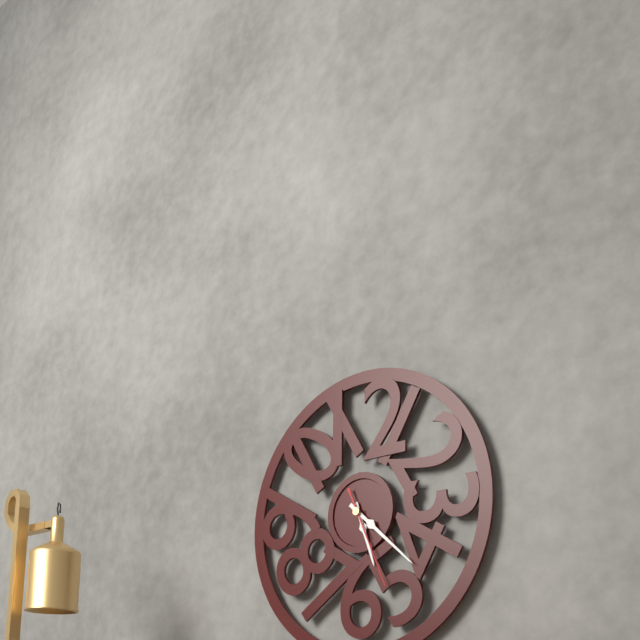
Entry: 5 h 22 min 26 s
